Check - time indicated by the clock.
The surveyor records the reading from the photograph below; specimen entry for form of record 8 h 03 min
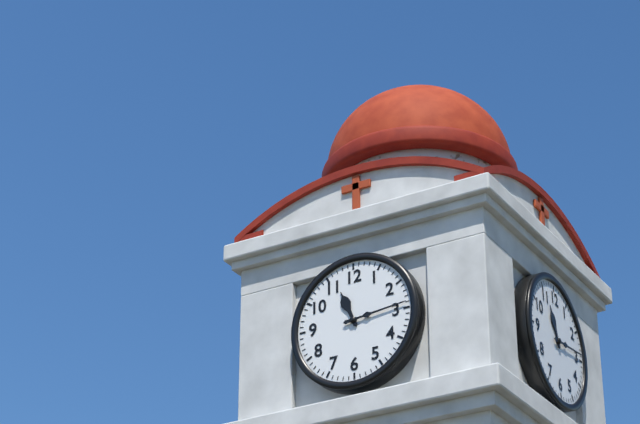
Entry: 11 h 14 min
